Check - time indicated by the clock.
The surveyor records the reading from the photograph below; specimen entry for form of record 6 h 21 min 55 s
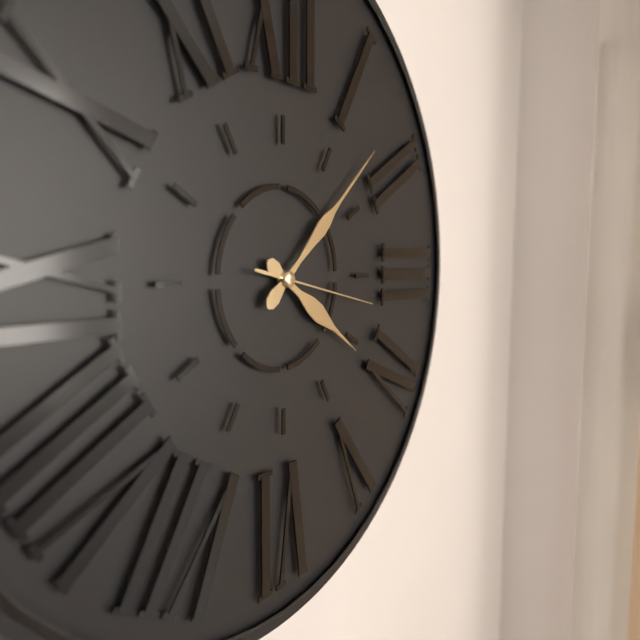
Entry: 4 h 08 min 17 s
